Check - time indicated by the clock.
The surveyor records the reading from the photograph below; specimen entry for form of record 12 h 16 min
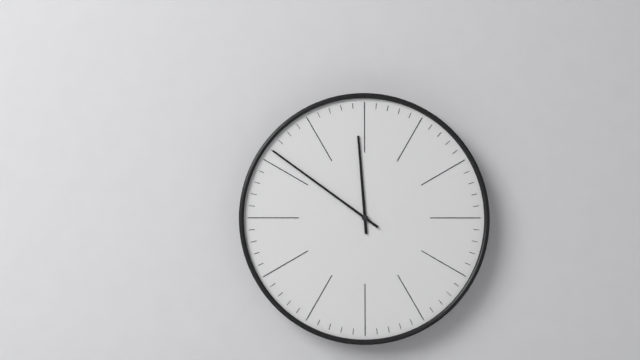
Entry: 11 h 51 min
